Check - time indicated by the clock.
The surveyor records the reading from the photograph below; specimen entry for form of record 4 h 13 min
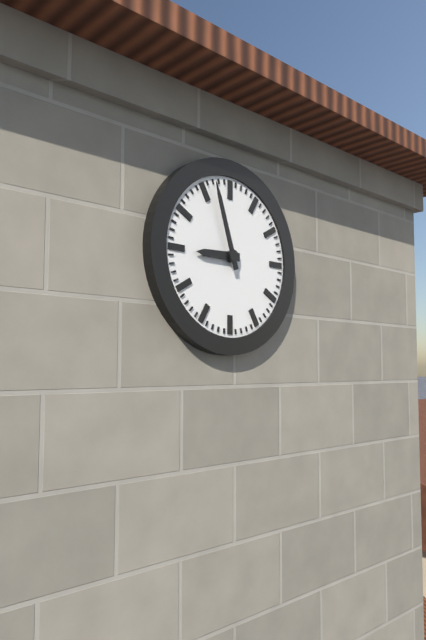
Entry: 8 h 57 min
